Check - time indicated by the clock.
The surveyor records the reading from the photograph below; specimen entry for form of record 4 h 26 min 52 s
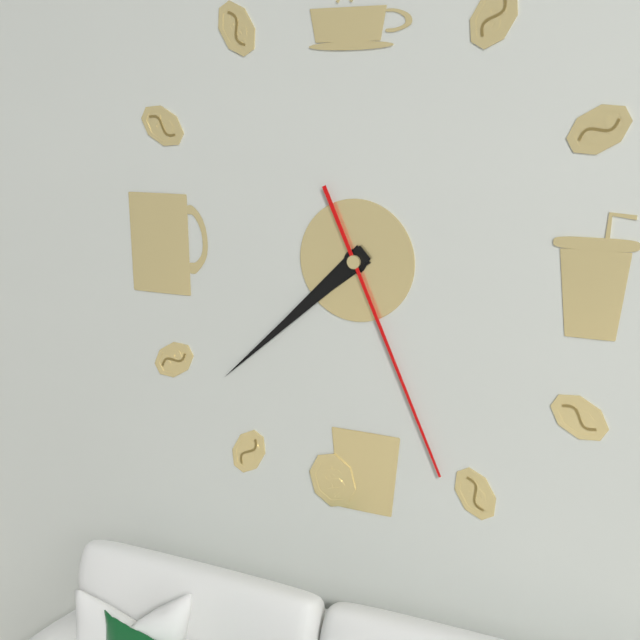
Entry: 7 h 38 min 26 s
